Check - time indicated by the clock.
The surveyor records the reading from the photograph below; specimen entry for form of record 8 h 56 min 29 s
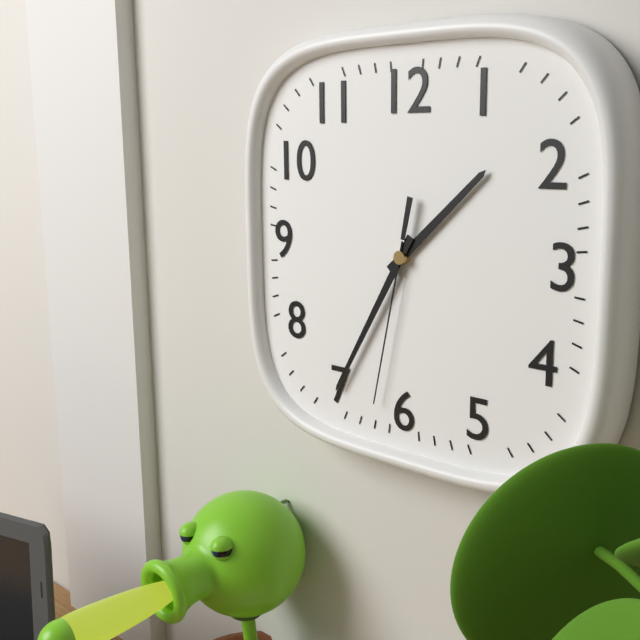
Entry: 1 h 35 min 32 s
